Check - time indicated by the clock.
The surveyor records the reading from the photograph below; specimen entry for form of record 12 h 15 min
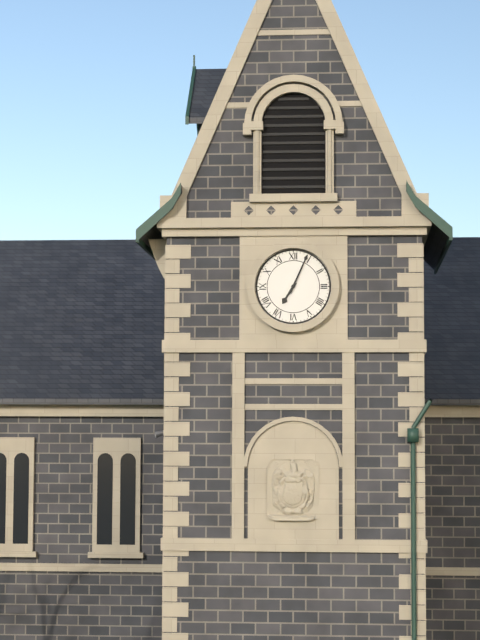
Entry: 7 h 04 min
